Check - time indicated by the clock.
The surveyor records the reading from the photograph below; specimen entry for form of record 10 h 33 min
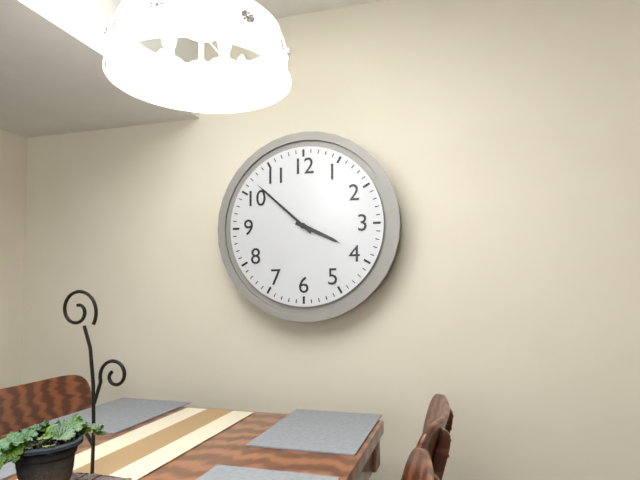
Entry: 3 h 52 min
